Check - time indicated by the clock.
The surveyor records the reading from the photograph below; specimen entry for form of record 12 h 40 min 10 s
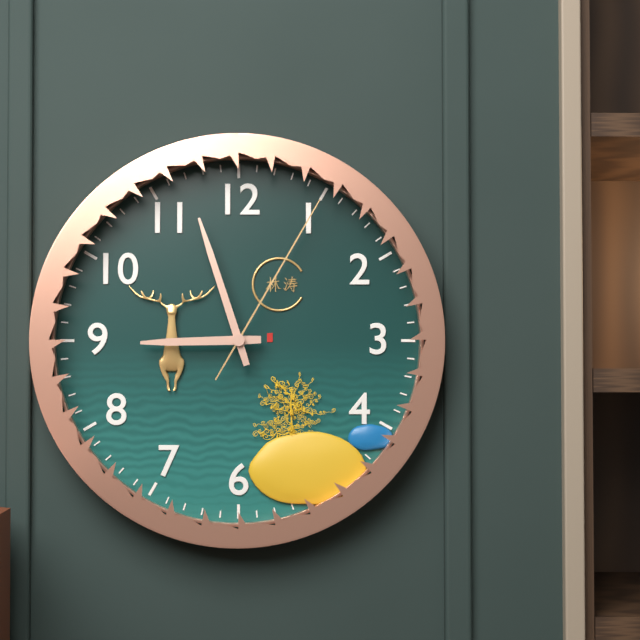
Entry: 8 h 57 min 05 s
